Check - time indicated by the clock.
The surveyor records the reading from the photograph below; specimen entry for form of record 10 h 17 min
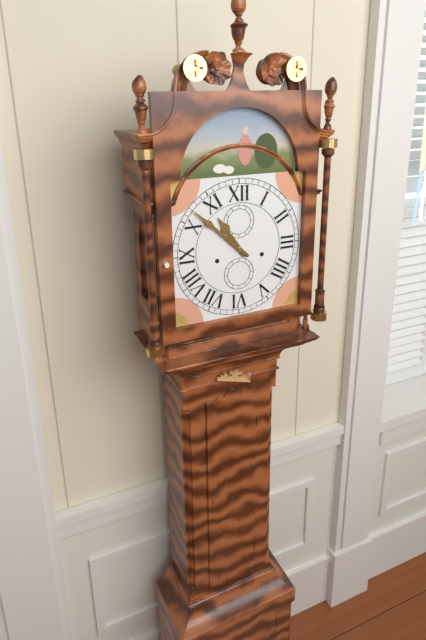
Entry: 10 h 52 min
